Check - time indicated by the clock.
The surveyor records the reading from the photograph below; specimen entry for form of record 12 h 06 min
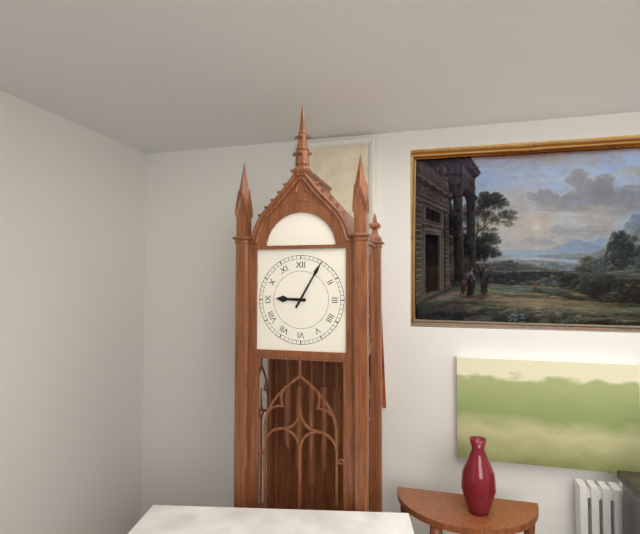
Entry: 9 h 05 min
